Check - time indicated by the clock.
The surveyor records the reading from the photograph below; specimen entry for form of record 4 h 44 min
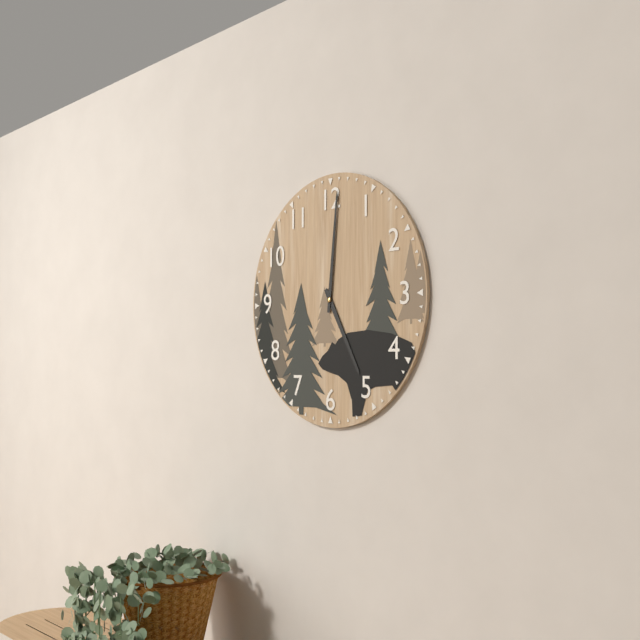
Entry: 5 h 01 min
